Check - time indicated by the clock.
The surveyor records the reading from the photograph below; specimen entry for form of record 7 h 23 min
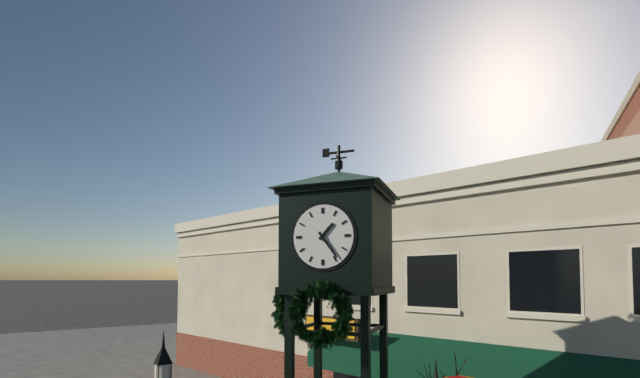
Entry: 1 h 24 min
